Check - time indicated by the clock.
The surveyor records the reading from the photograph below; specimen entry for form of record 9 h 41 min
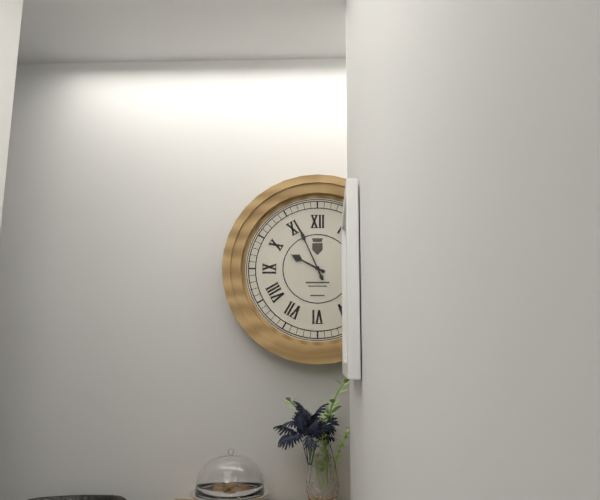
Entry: 9 h 56 min
